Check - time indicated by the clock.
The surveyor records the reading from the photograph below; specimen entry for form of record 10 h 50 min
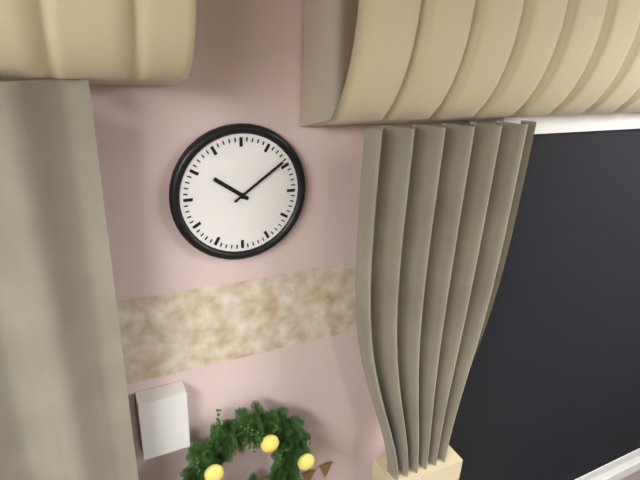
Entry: 10 h 09 min
